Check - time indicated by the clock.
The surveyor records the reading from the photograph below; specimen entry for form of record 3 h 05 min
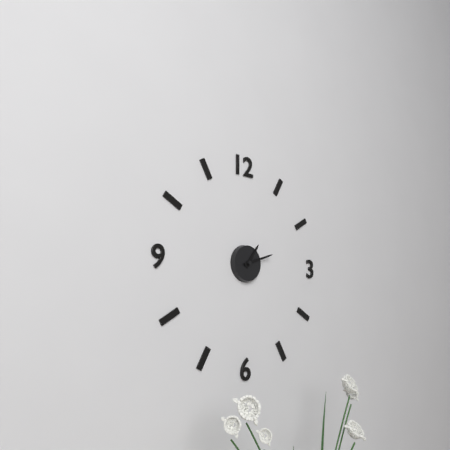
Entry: 1 h 12 min
